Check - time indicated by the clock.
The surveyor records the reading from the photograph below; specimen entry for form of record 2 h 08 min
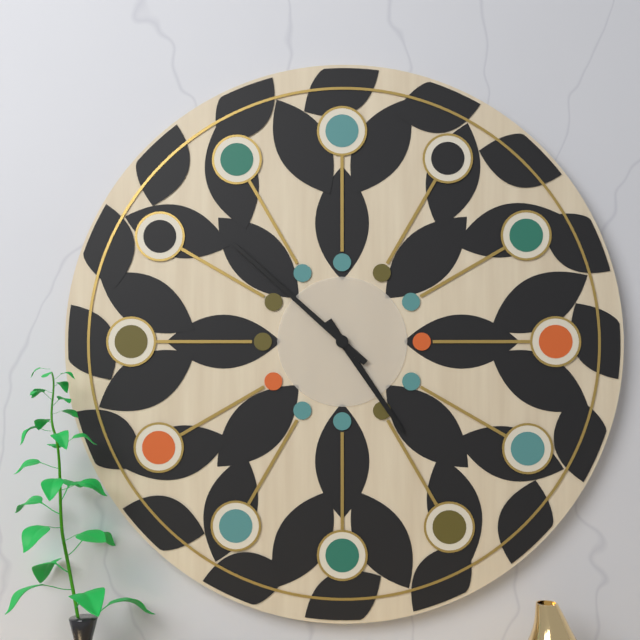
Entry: 4 h 52 min
